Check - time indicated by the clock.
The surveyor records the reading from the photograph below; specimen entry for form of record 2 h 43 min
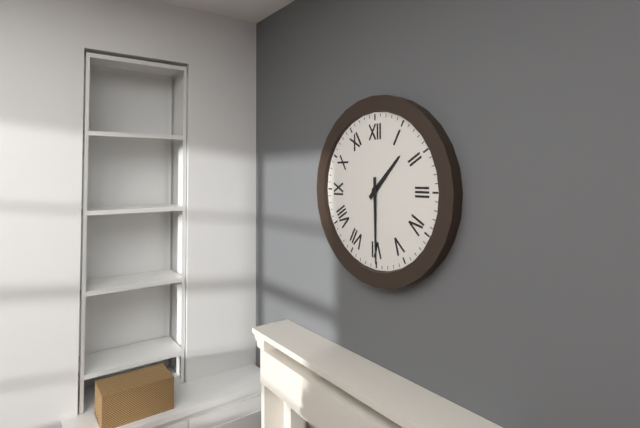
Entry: 1 h 30 min
